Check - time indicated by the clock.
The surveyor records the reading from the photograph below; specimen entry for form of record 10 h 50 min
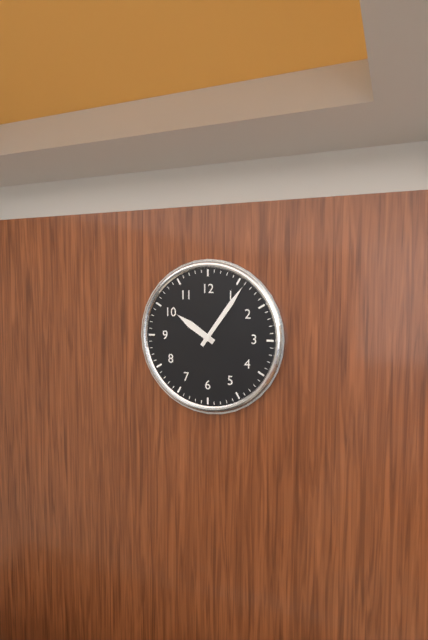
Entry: 10 h 06 min
